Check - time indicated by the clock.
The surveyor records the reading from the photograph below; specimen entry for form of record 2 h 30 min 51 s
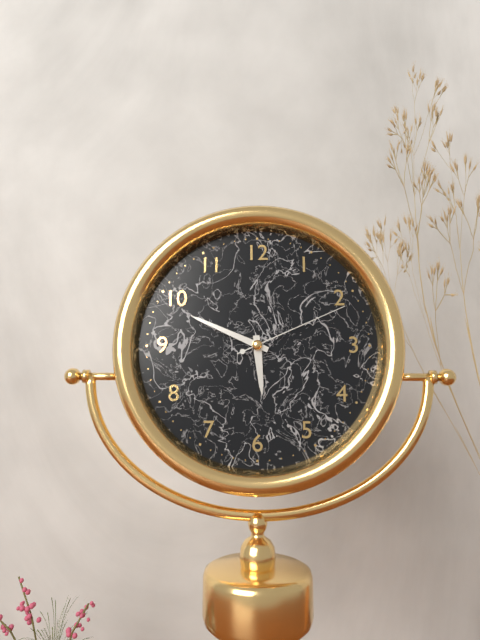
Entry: 5 h 49 min 11 s
